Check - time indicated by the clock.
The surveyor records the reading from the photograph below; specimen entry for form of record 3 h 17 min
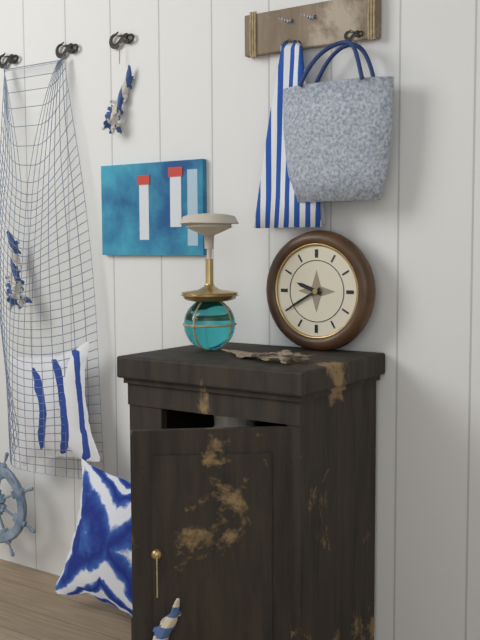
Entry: 9 h 40 min
